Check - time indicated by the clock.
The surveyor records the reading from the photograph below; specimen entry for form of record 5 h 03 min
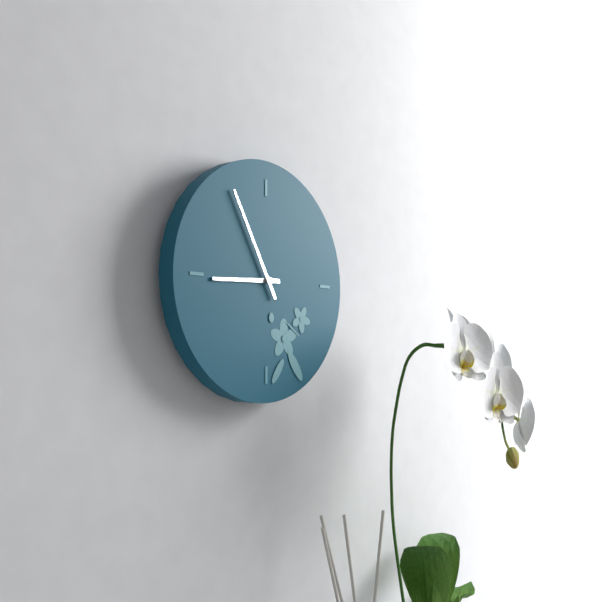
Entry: 8 h 55 min
